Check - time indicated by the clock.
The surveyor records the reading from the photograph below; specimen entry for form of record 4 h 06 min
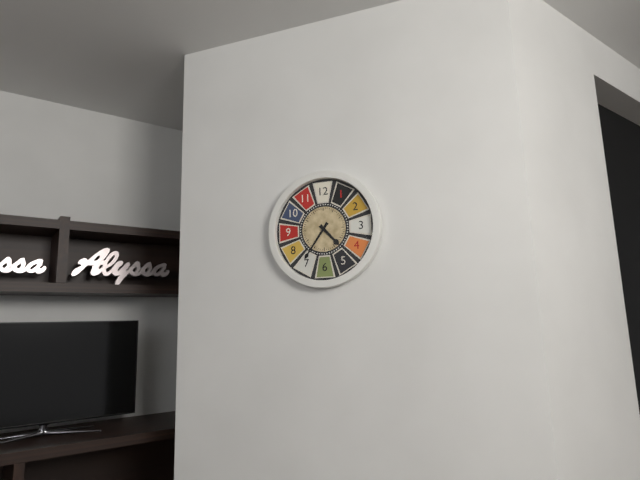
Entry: 4 h 36 min
